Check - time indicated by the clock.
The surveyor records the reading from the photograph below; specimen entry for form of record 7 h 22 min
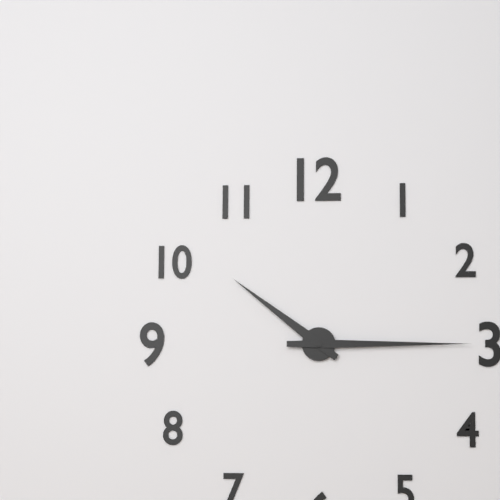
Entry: 10 h 15 min
